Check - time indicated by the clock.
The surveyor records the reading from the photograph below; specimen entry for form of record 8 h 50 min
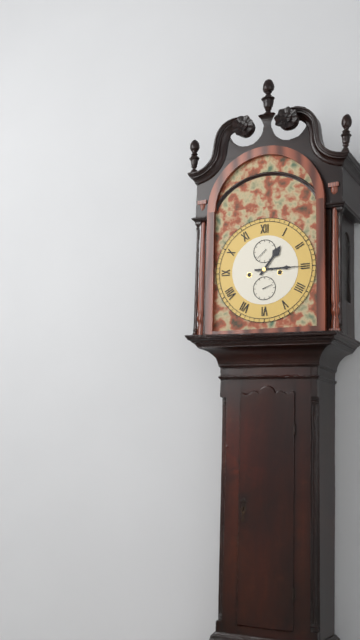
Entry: 1 h 15 min
